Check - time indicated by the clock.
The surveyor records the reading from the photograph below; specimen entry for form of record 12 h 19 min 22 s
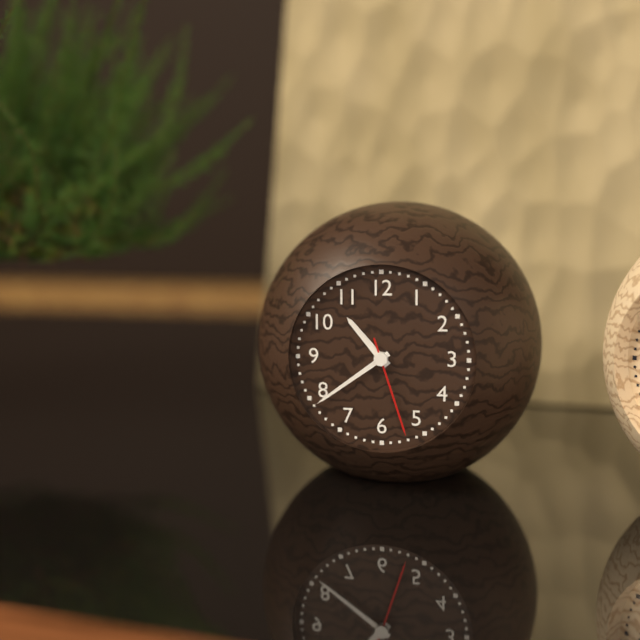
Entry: 10 h 39 min 27 s
